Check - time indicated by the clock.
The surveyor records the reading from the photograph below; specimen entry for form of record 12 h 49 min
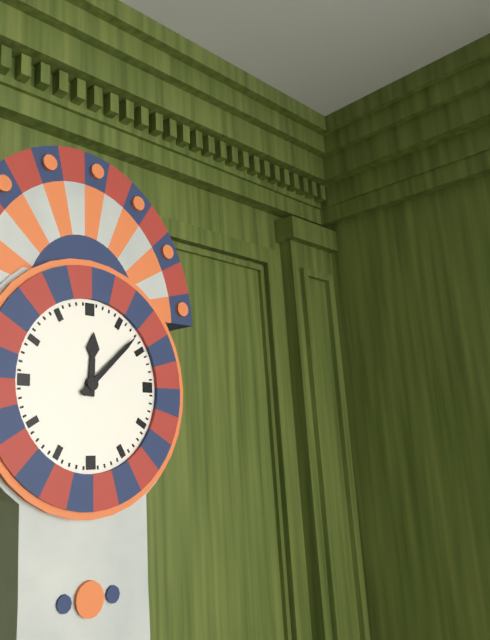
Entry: 12 h 08 min
